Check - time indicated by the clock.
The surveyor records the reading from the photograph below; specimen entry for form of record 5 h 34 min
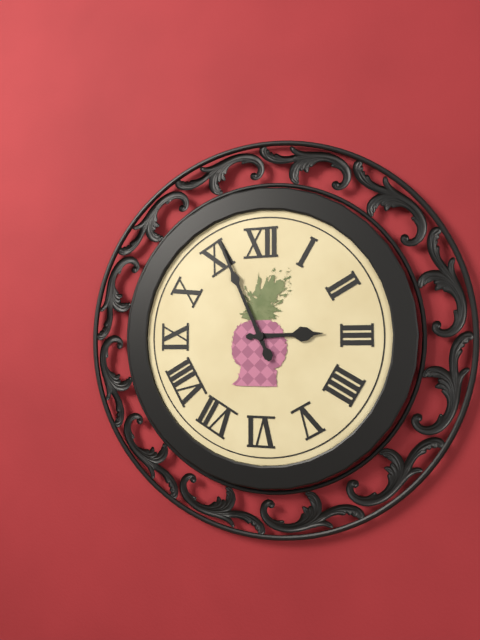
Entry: 2 h 56 min
